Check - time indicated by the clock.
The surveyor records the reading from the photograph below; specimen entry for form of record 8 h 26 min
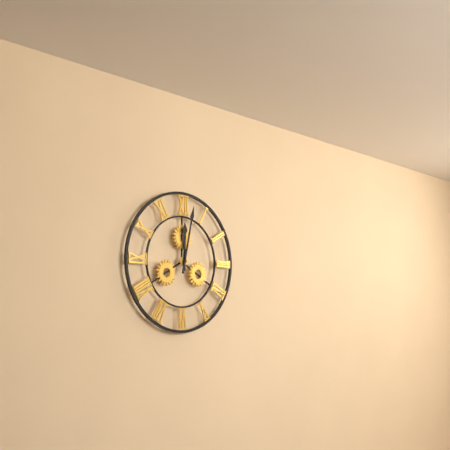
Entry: 12 h 02 min
